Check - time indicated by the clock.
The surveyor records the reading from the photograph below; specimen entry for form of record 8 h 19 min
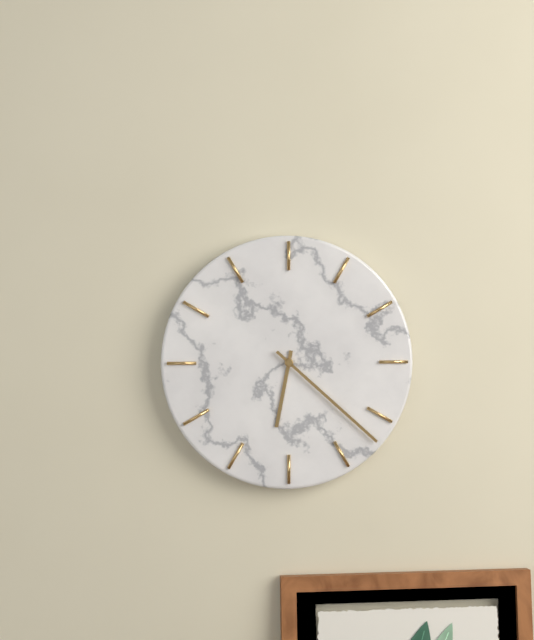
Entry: 6 h 22 min
